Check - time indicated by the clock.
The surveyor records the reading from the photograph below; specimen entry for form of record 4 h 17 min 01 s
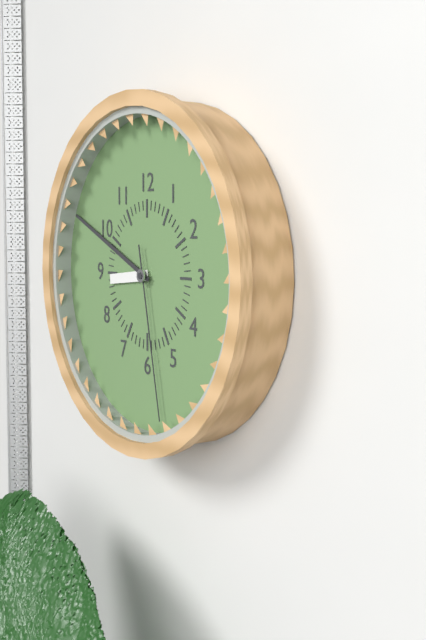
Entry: 8 h 49 min 28 s
